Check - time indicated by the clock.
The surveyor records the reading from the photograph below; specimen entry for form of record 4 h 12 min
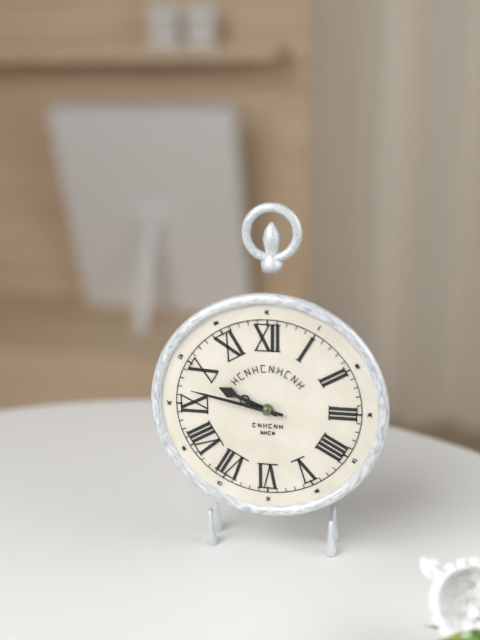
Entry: 9 h 47 min
